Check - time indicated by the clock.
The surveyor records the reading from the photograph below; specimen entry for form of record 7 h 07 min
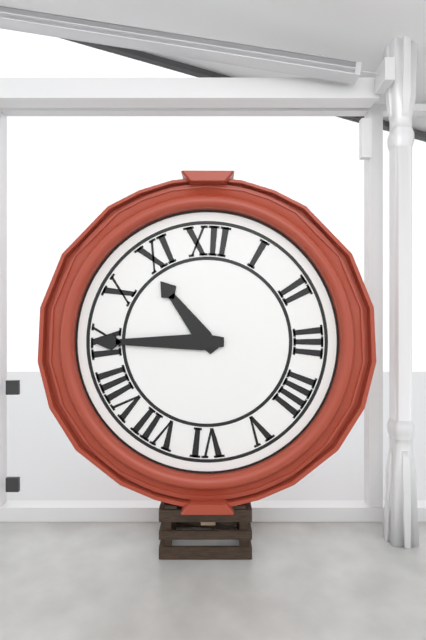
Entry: 10 h 45 min
